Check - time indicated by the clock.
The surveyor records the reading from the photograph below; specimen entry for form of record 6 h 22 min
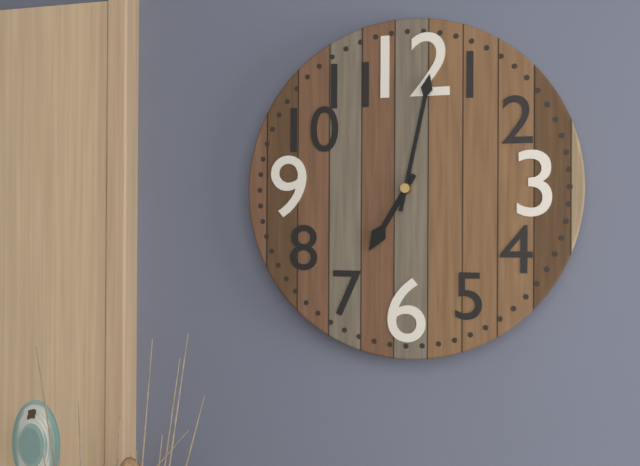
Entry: 7 h 02 min
